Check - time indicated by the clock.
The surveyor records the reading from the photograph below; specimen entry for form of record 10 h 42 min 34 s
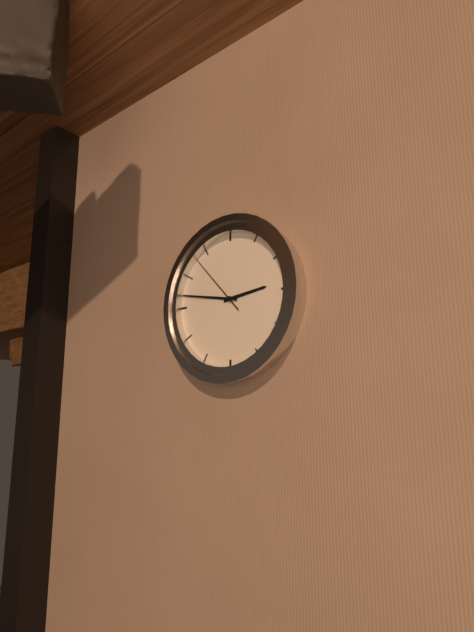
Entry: 2 h 47 min 53 s
